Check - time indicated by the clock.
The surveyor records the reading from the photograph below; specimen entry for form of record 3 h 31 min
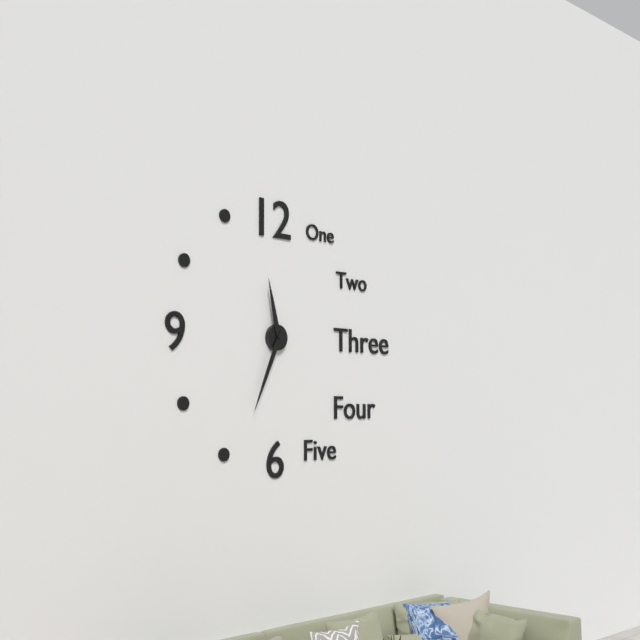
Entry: 11 h 34 min
